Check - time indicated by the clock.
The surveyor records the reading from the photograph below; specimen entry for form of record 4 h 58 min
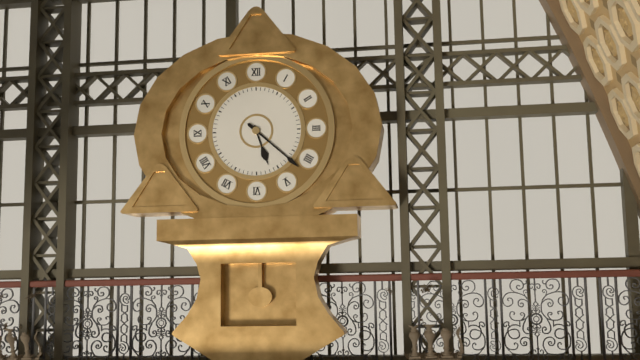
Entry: 5 h 22 min
